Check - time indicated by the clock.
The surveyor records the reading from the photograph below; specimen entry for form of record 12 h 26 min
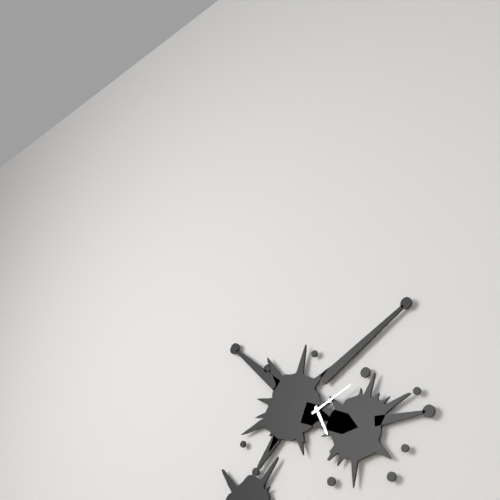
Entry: 5 h 11 min
